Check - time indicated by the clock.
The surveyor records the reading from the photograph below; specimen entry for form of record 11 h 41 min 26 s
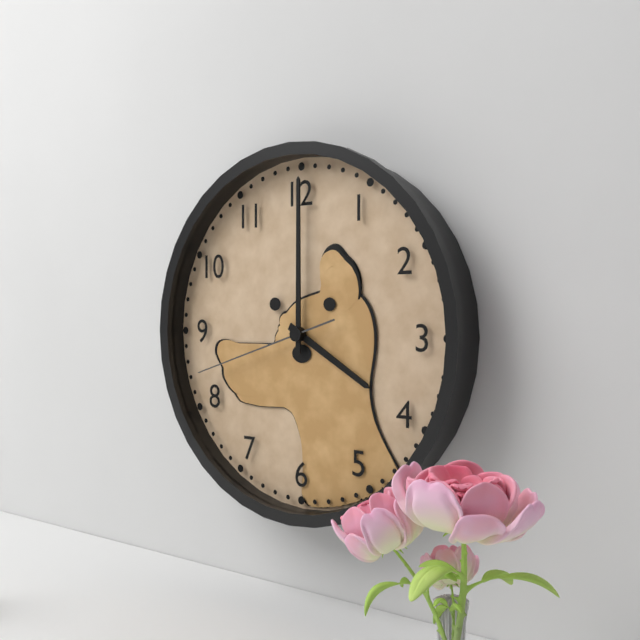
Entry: 4 h 00 min 42 s
